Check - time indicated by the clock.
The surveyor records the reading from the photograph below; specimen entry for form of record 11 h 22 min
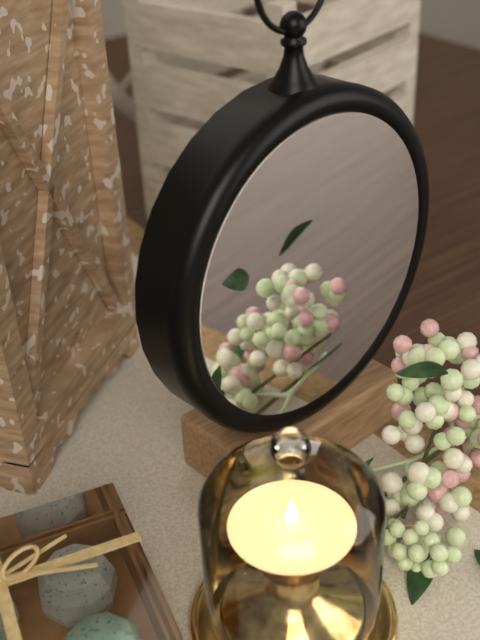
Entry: 5 h 19 min
